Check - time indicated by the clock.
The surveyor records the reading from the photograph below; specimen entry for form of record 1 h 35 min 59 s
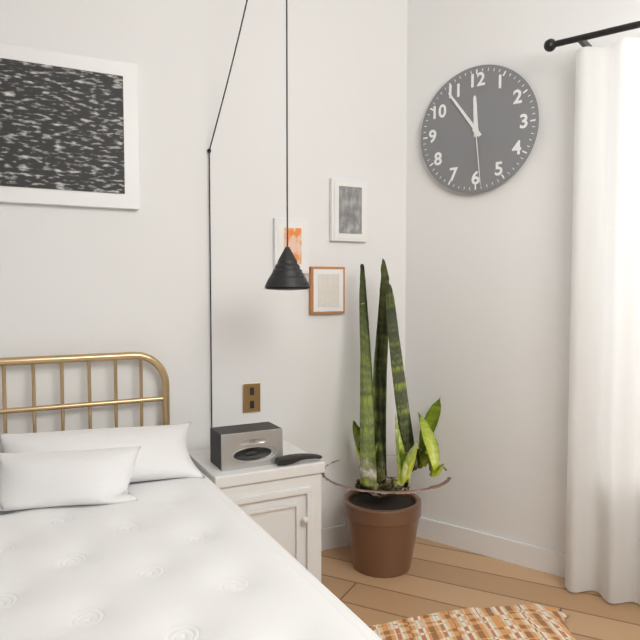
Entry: 11 h 54 min 29 s
